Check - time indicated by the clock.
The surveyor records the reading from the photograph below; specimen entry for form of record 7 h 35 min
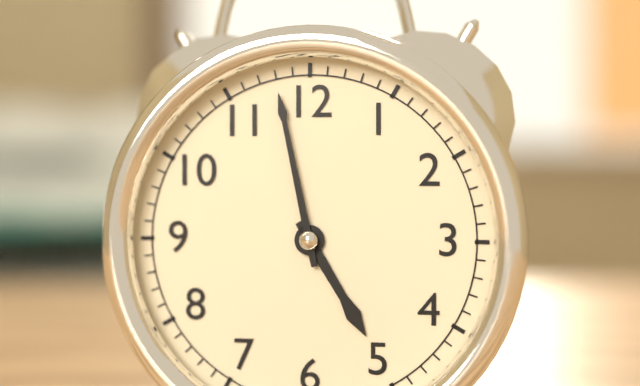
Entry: 4 h 58 min
